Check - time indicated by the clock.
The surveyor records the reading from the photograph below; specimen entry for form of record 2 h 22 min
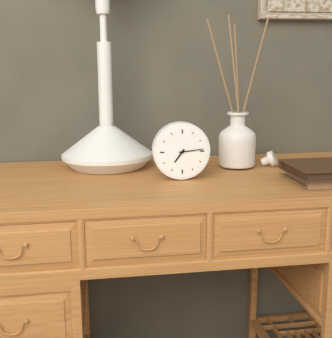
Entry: 7 h 14 min
